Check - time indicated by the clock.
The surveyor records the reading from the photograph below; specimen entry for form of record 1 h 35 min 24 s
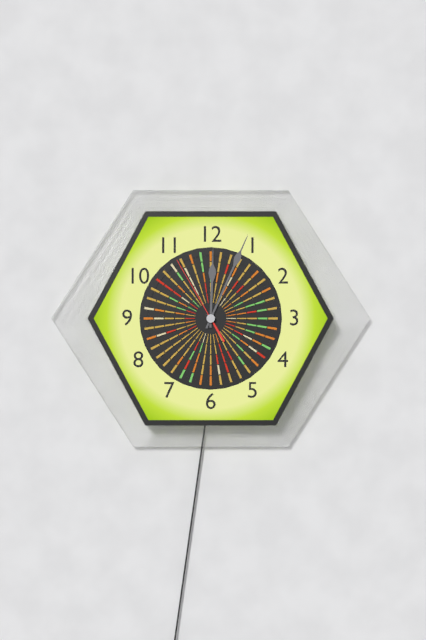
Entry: 12 h 04 min 55 s
